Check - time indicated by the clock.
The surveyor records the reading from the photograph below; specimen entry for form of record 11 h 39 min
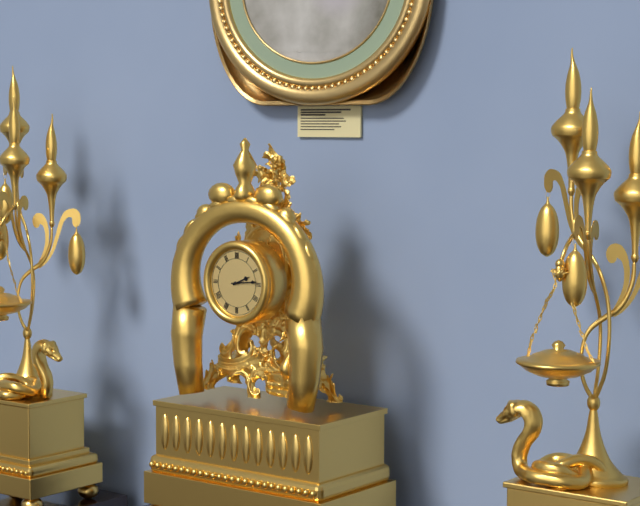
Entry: 2 h 14 min
